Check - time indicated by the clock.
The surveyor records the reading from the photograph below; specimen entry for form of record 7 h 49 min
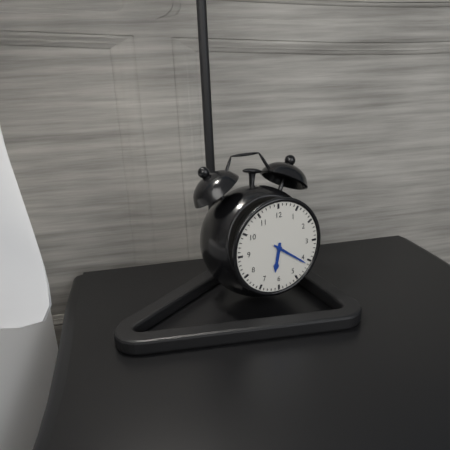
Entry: 6 h 21 min
